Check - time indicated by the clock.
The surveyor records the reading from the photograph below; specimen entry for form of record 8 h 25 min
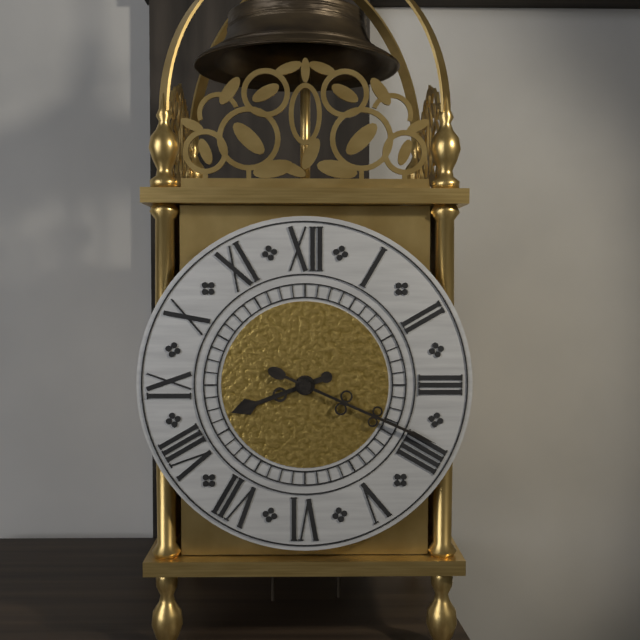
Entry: 8 h 19 min
